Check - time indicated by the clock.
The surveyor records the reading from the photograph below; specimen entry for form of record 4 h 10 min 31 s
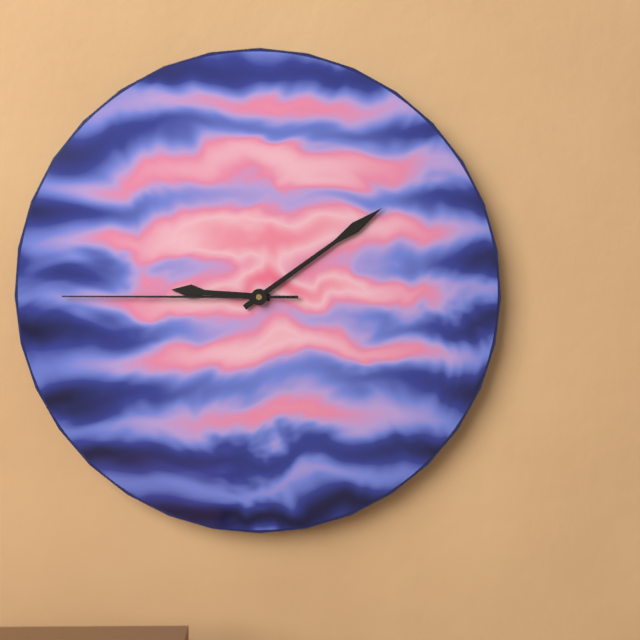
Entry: 9 h 09 min 45 s
